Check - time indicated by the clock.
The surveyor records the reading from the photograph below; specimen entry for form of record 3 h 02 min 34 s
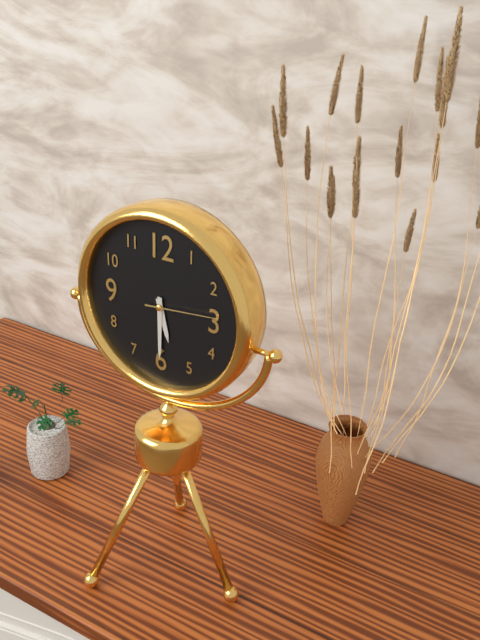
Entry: 5 h 30 min 14 s
